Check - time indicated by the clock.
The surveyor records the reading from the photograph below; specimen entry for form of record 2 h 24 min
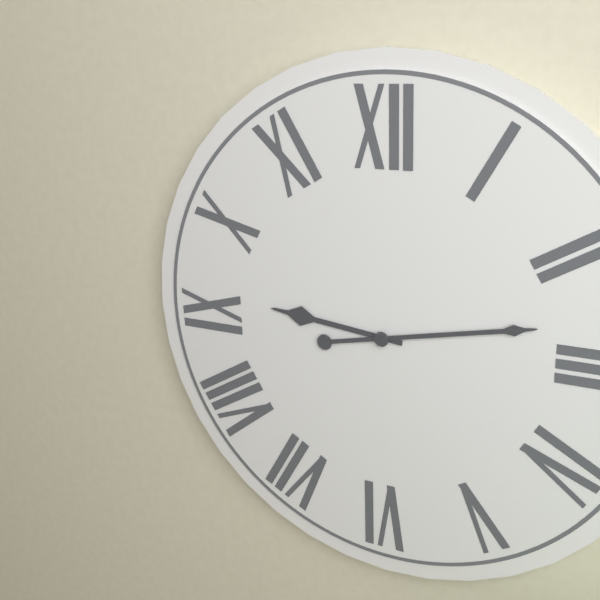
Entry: 9 h 13 min
